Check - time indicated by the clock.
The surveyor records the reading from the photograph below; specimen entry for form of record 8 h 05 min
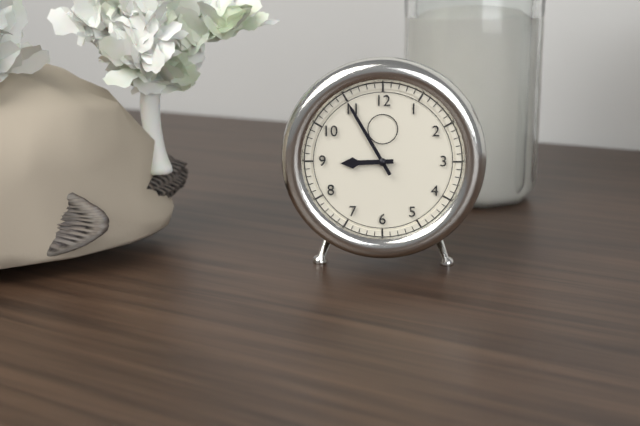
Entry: 8 h 55 min
